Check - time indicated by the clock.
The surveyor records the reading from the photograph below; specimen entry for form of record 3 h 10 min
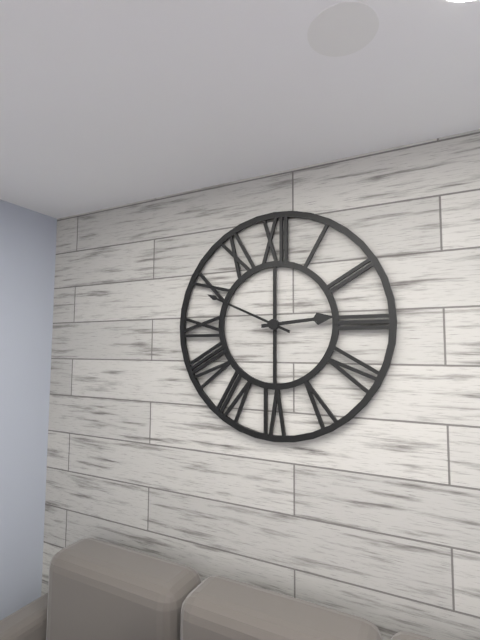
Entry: 2 h 49 min
